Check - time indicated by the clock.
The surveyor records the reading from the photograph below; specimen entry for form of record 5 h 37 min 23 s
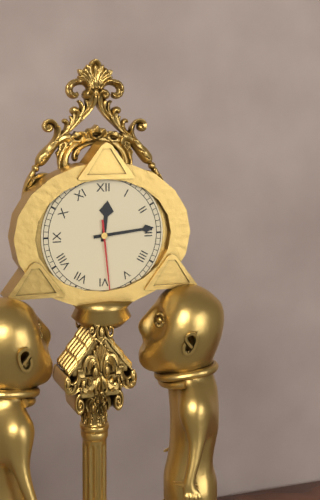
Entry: 12 h 14 min 29 s
